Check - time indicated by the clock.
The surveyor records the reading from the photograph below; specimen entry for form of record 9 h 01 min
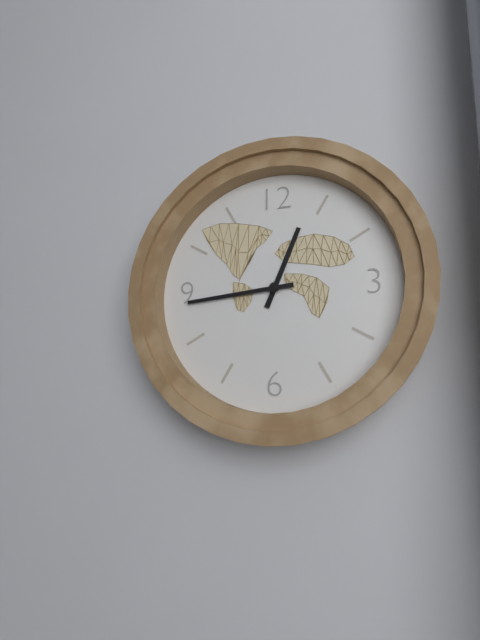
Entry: 12 h 44 min
